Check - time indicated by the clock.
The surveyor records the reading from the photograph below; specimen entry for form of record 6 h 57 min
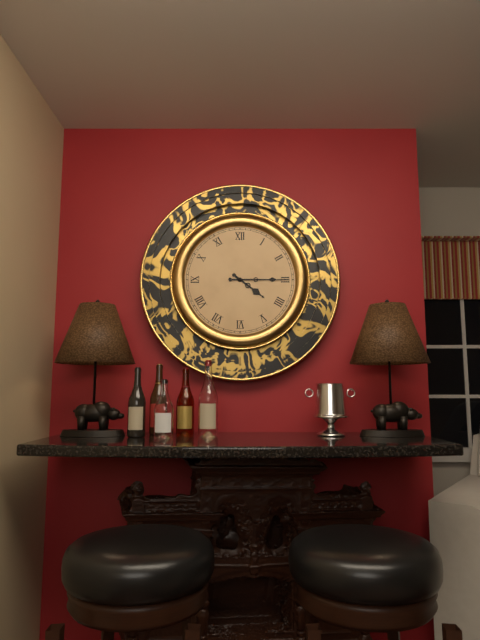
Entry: 4 h 15 min
